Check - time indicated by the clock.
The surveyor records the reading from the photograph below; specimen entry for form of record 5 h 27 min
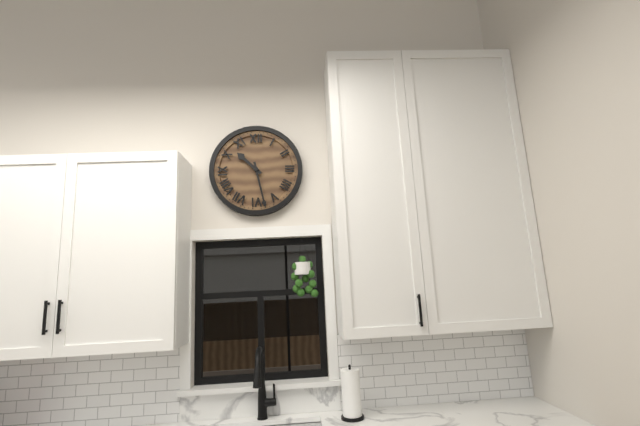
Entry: 10 h 28 min
